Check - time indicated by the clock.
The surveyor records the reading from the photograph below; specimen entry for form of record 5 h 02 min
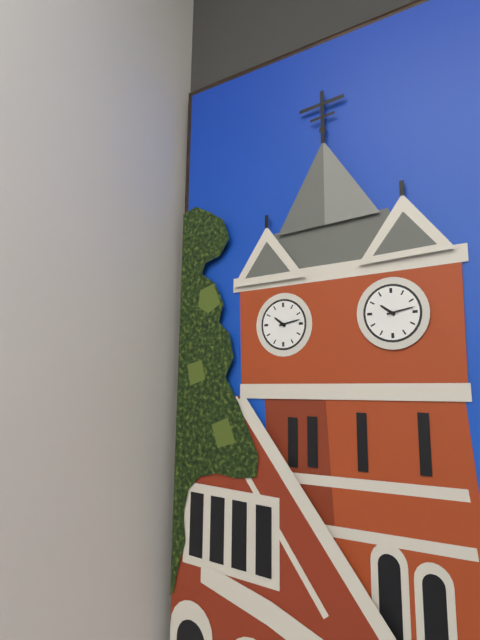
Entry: 10 h 13 min
